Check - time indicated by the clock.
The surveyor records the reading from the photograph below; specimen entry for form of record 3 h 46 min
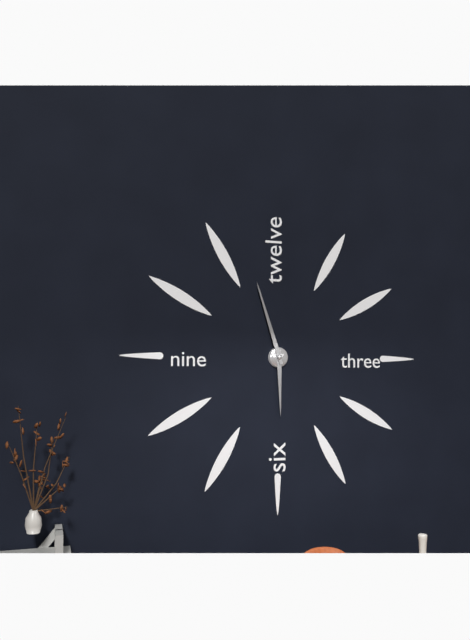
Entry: 5 h 57 min
